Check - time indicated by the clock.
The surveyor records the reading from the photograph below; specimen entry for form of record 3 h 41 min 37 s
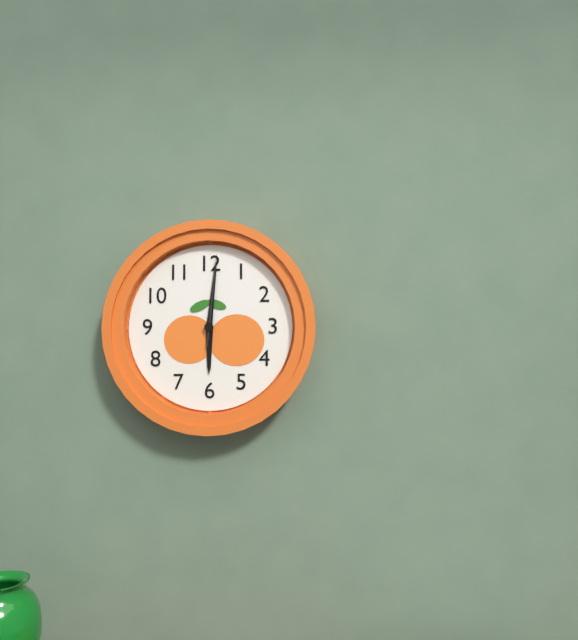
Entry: 6 h 01 min 01 s
